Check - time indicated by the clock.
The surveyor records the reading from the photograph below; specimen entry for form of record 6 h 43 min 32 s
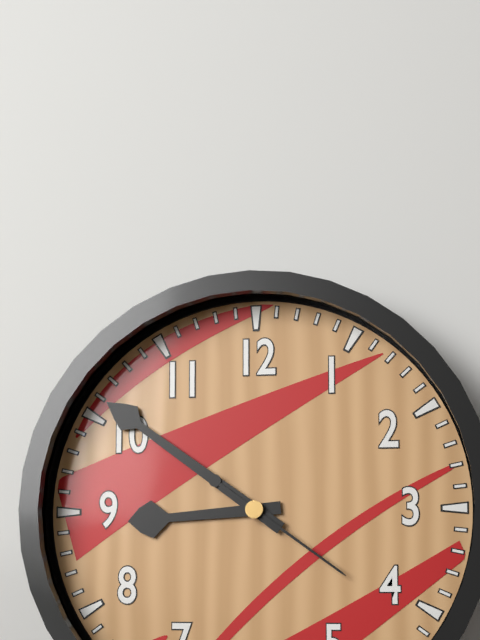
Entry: 8 h 51 min 21 s
